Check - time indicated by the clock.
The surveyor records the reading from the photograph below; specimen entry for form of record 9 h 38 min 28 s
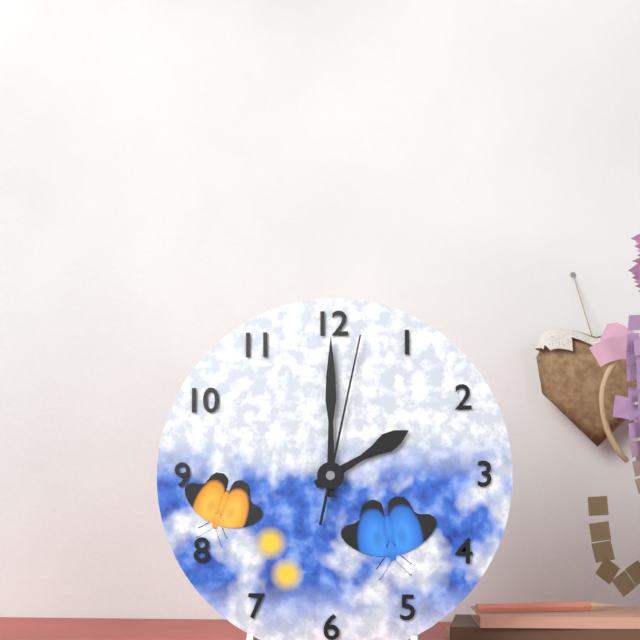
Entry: 2 h 00 min 02 s
